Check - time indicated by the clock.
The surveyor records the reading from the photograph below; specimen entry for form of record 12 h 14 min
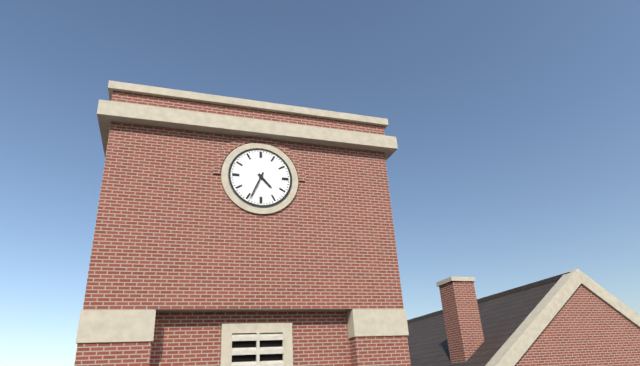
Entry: 4 h 34 min
